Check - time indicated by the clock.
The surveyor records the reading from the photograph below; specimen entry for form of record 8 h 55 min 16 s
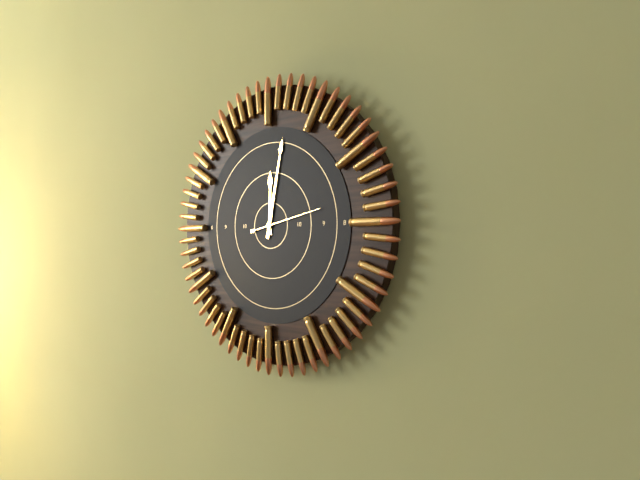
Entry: 12 h 02 min 13 s
